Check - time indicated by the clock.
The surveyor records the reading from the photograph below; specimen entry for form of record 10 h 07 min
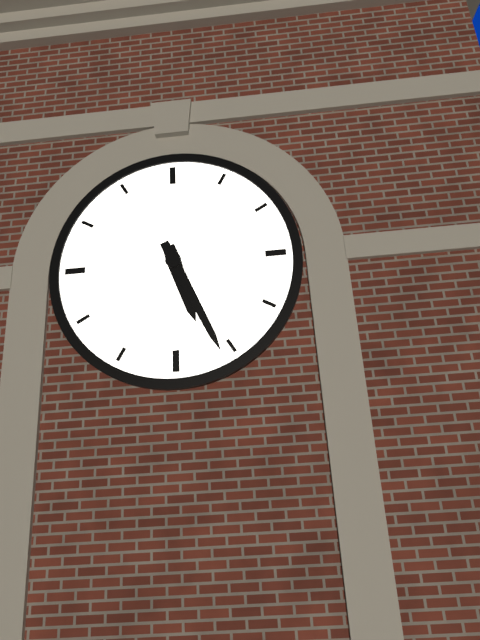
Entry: 5 h 26 min
